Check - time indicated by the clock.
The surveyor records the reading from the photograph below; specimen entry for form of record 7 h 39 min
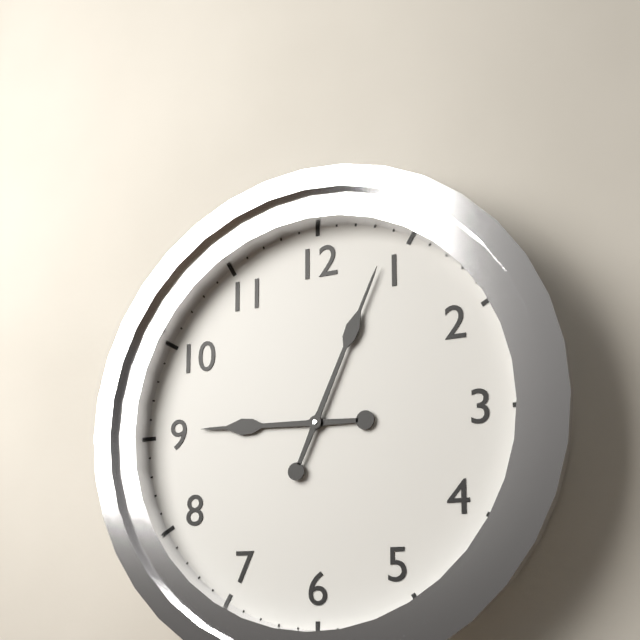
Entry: 9 h 04 min
